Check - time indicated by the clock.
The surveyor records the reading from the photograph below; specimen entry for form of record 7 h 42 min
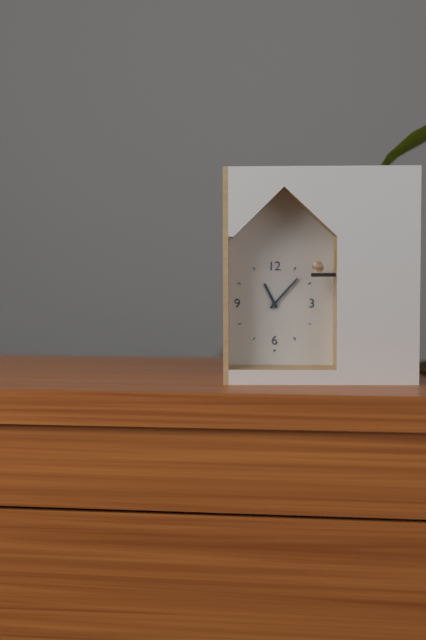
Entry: 11 h 07 min
